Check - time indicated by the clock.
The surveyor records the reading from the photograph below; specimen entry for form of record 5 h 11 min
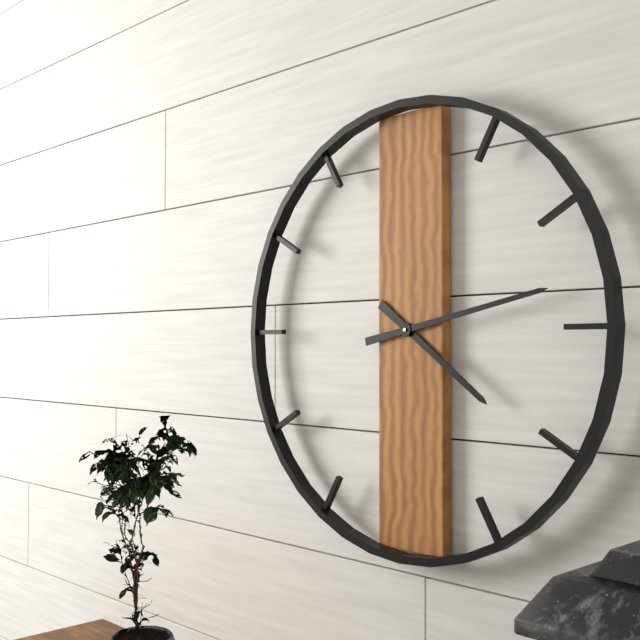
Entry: 4 h 13 min
